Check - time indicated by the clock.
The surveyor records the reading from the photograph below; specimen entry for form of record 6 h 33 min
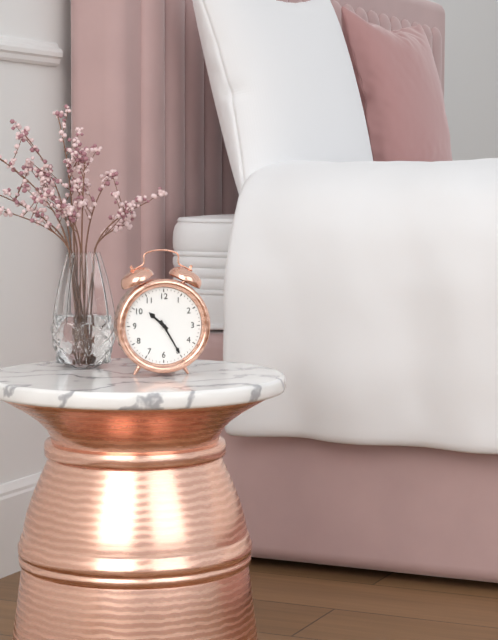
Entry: 10 h 25 min
